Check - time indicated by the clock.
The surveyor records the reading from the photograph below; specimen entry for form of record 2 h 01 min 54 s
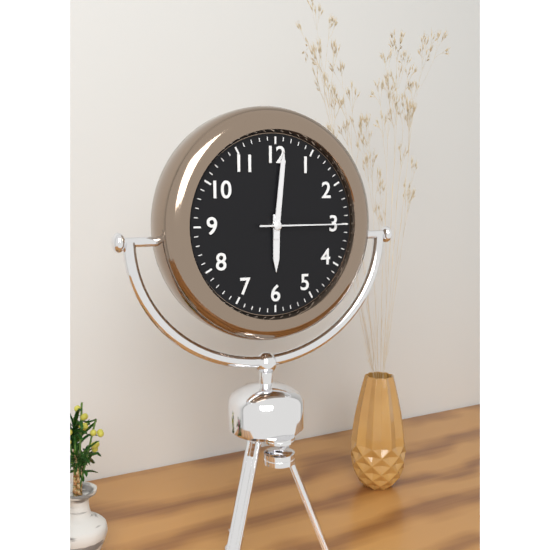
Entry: 6 h 01 min 15 s
